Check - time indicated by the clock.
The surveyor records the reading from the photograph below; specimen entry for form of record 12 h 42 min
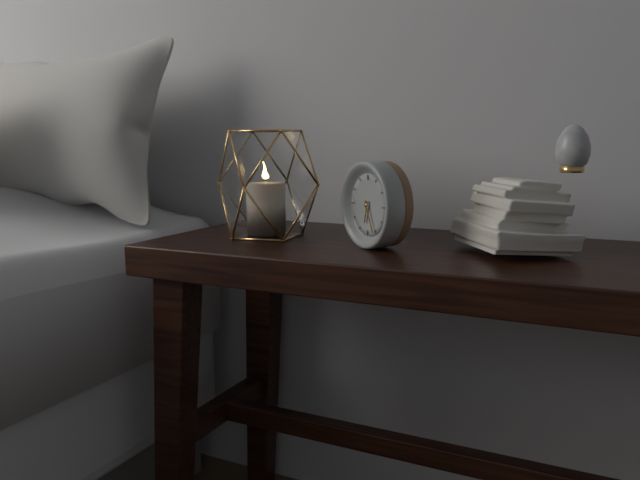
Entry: 6 h 26 min
